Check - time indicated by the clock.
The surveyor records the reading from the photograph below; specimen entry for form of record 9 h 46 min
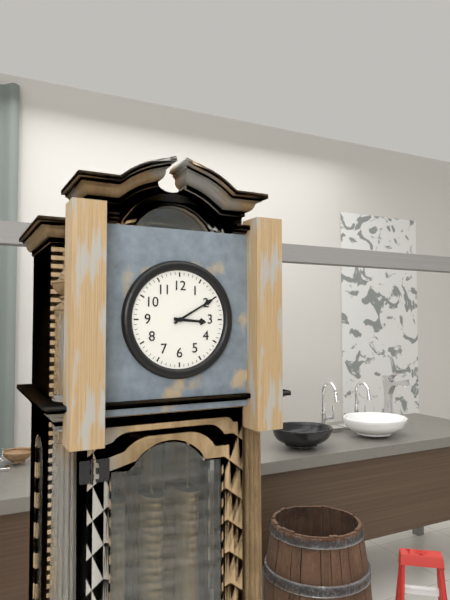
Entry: 3 h 10 min
